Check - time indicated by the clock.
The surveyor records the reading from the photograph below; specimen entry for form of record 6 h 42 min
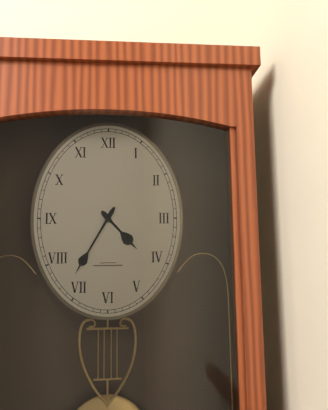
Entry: 4 h 35 min
